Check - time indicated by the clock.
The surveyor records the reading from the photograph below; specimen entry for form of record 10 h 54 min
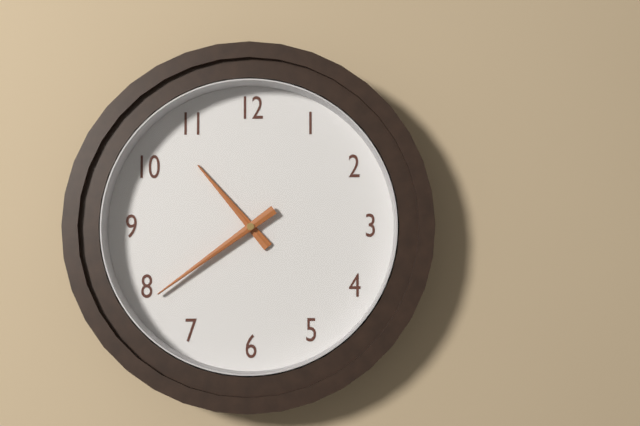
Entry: 10 h 39 min
